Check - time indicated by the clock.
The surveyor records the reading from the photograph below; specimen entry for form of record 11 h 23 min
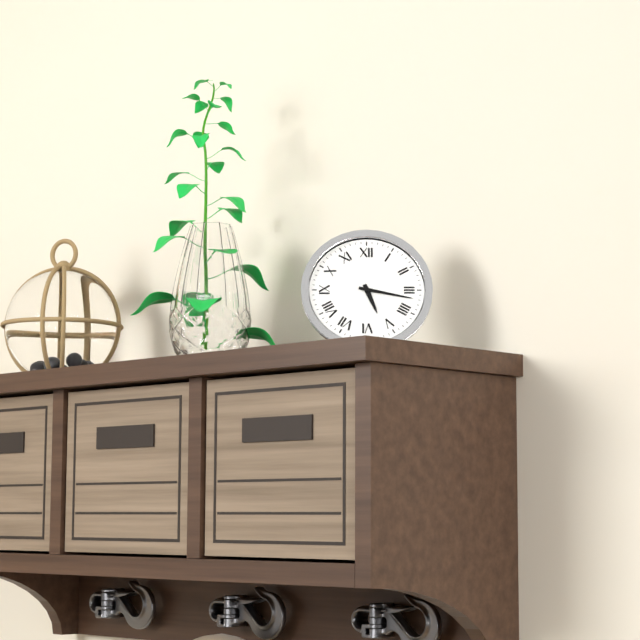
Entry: 5 h 17 min
